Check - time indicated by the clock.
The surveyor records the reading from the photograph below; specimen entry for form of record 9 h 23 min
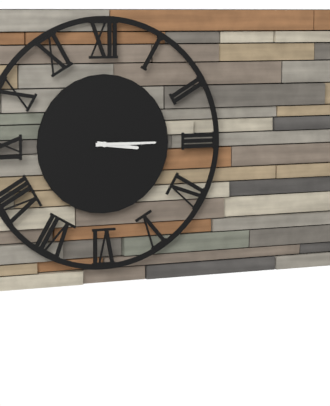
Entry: 3 h 15 min
